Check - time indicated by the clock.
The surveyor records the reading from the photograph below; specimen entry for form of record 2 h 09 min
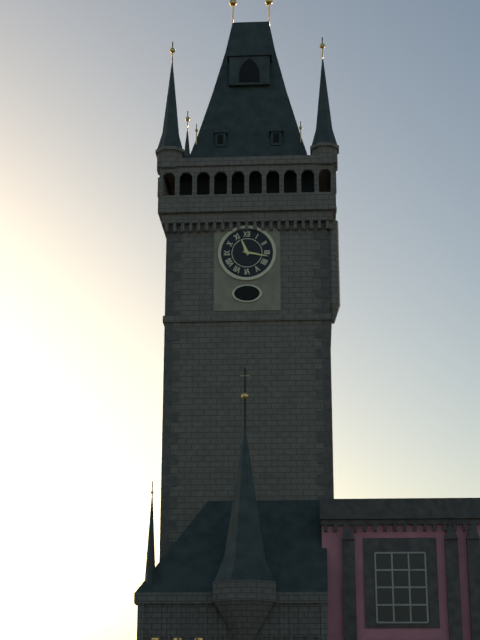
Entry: 11 h 17 min
